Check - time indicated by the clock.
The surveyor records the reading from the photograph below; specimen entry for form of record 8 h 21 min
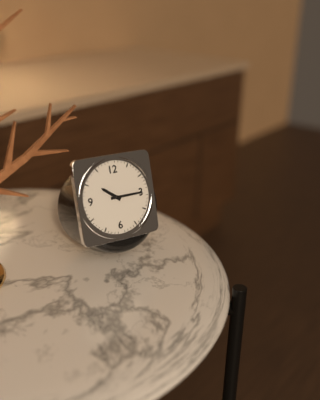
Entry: 10 h 15 min
